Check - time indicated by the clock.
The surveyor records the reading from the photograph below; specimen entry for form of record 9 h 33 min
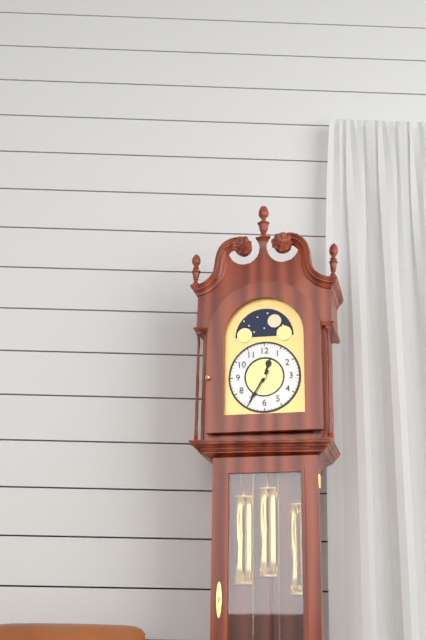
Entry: 12 h 35 min
